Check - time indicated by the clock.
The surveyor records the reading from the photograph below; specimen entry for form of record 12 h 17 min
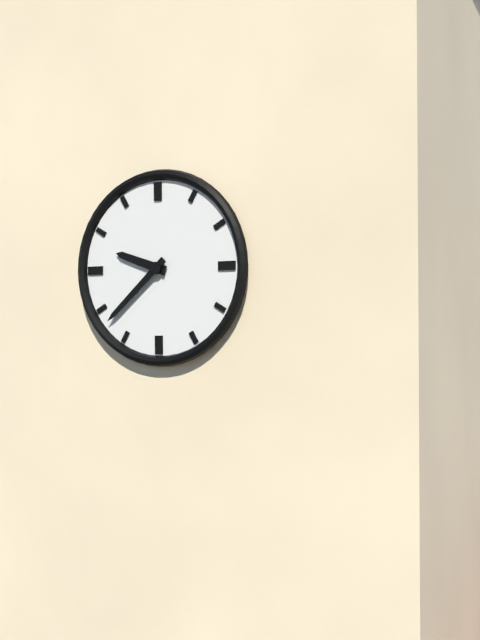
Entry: 9 h 38 min
